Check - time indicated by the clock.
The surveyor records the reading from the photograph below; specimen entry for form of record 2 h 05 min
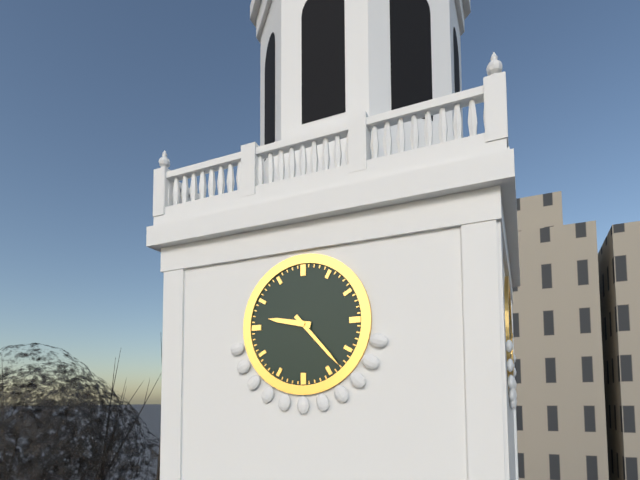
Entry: 9 h 23 min
